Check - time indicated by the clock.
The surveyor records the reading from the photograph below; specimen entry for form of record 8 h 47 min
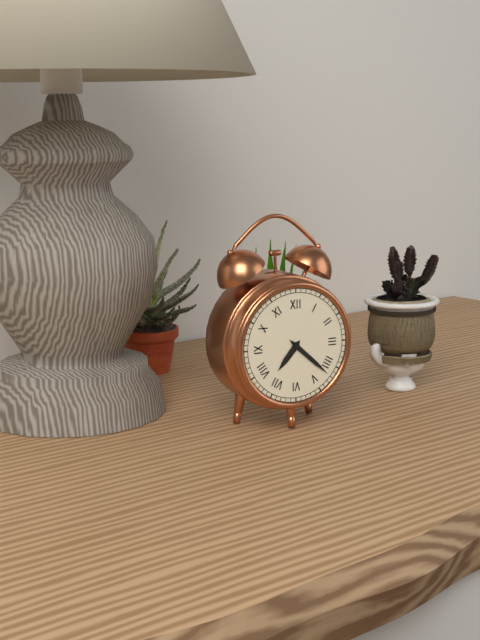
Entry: 7 h 22 min
